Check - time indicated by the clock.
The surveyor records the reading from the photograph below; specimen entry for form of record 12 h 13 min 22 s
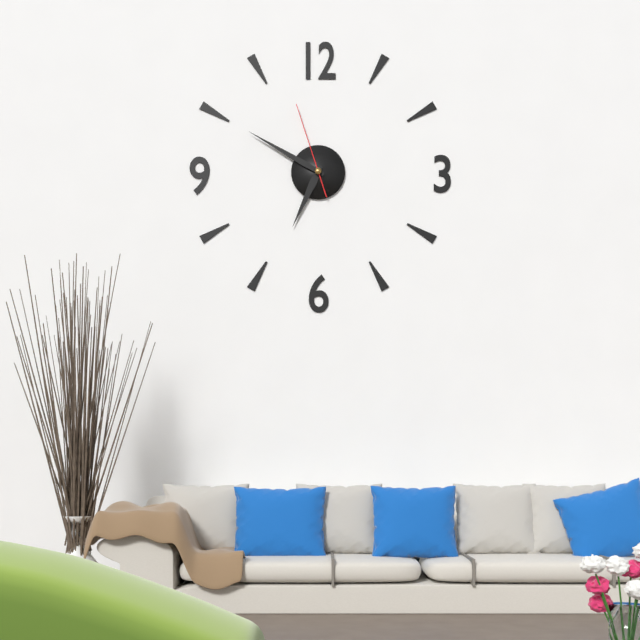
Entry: 6 h 50 min 57 s
